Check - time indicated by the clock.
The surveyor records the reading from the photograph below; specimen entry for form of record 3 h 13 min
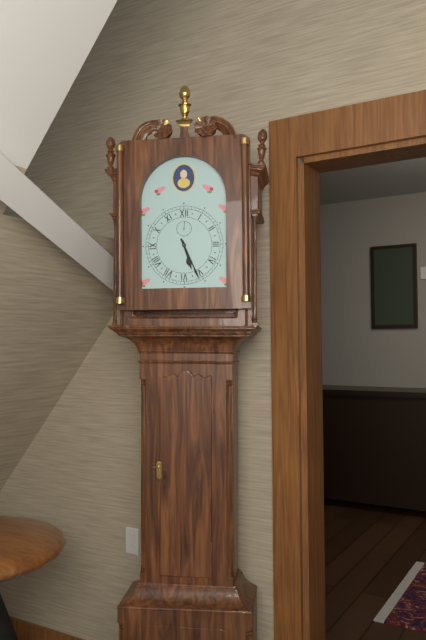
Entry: 5 h 26 min
